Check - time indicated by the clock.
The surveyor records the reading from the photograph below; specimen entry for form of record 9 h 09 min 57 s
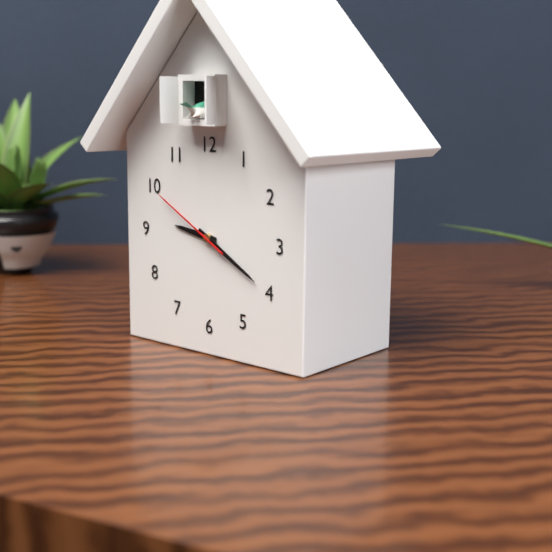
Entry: 9 h 20 min 50 s
